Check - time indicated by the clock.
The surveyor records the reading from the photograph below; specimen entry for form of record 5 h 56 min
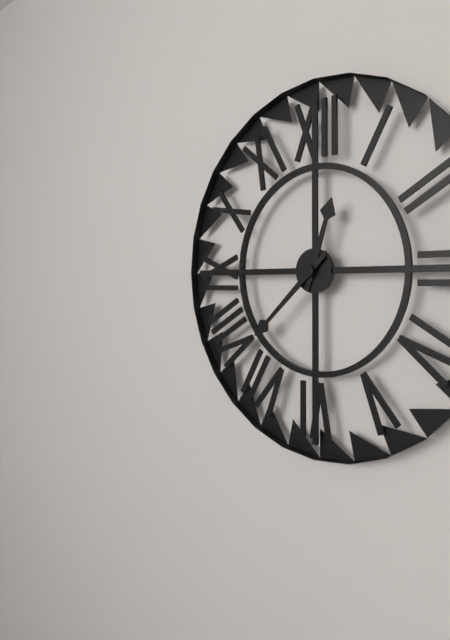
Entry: 12 h 38 min
